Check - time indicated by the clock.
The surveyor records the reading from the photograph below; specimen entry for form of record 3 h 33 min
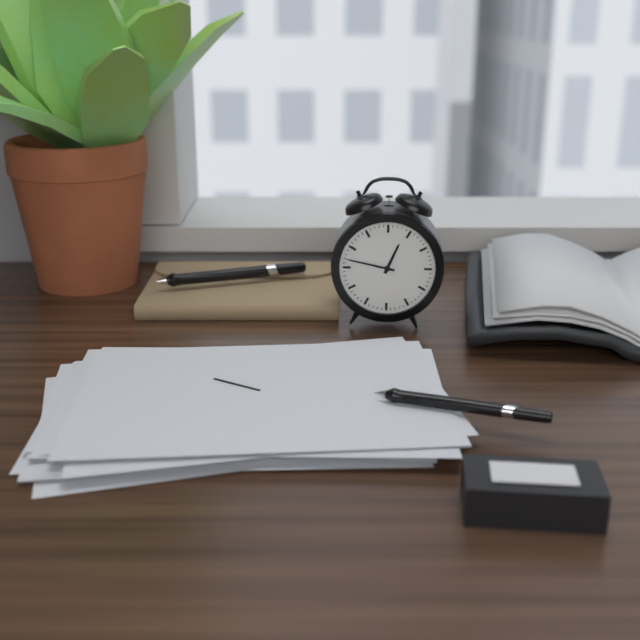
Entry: 12 h 47 min
